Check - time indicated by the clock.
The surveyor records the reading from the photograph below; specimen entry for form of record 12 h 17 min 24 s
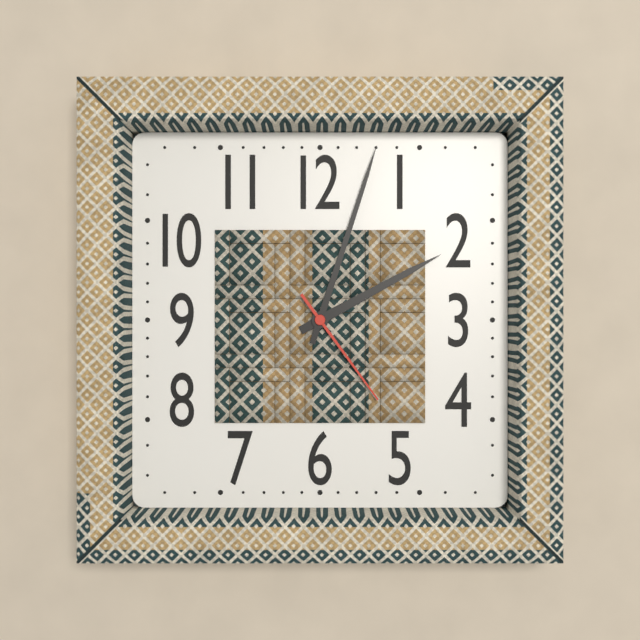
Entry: 2 h 03 min 24 s
